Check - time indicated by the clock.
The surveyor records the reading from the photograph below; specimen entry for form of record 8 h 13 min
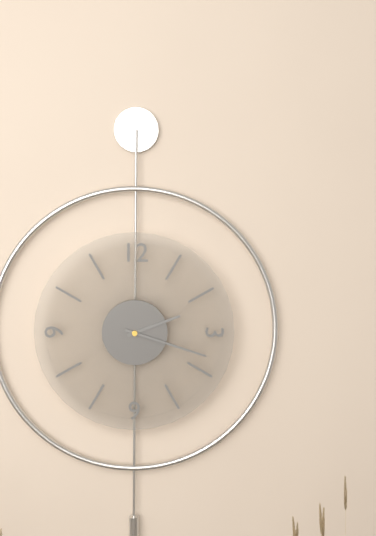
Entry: 2 h 18 min
